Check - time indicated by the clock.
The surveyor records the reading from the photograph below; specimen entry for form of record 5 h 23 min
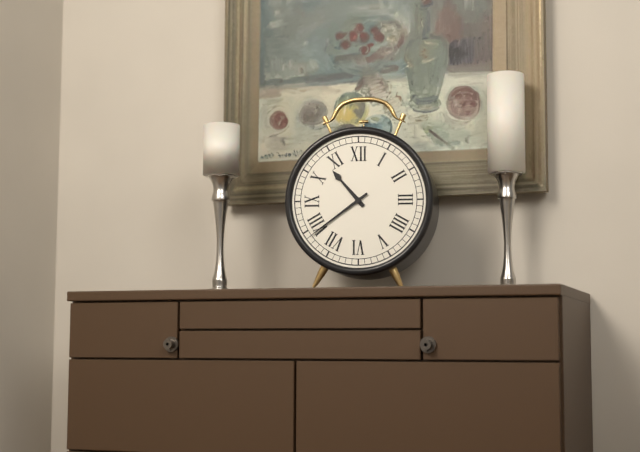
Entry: 10 h 39 min
